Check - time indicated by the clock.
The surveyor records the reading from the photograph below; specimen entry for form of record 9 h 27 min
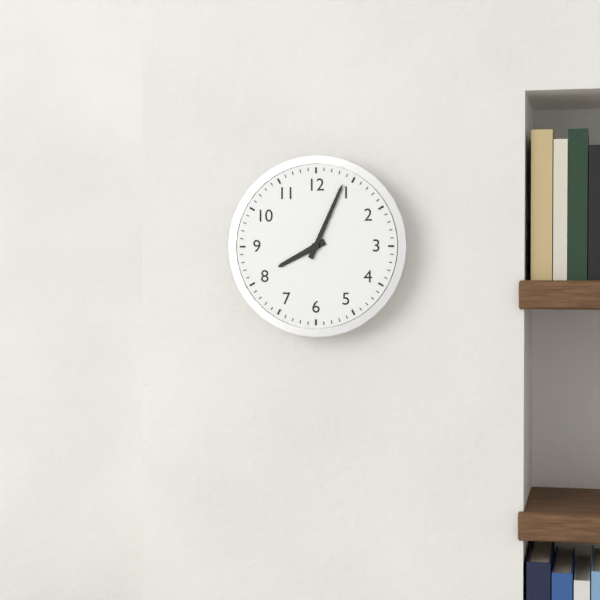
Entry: 8 h 04 min
